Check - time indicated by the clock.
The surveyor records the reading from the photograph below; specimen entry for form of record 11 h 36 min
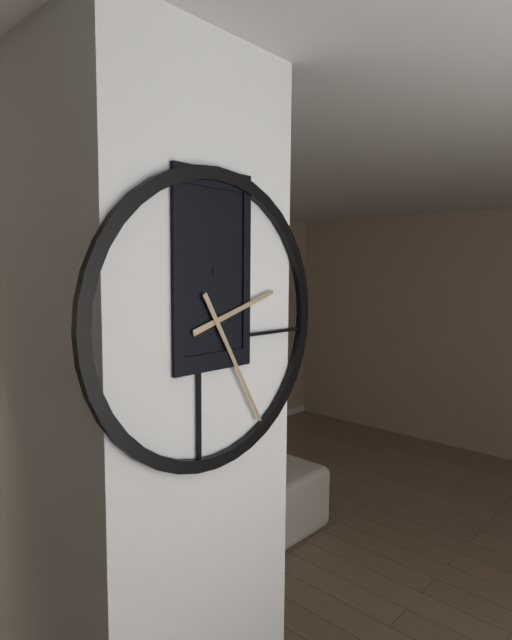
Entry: 2 h 25 min
